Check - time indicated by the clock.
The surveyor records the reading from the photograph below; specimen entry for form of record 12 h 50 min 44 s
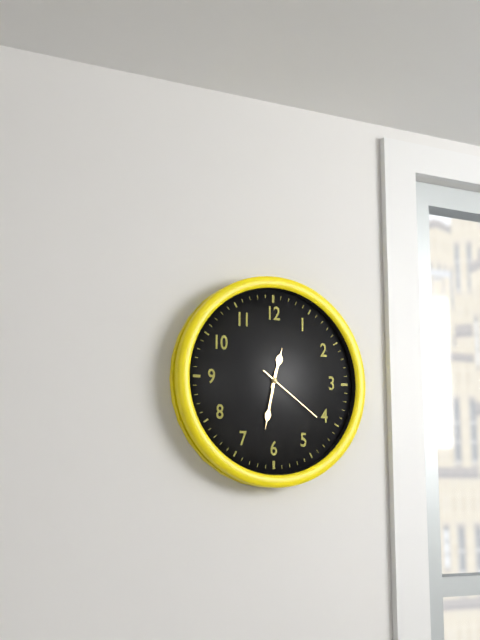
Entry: 12 h 32 min 21 s
